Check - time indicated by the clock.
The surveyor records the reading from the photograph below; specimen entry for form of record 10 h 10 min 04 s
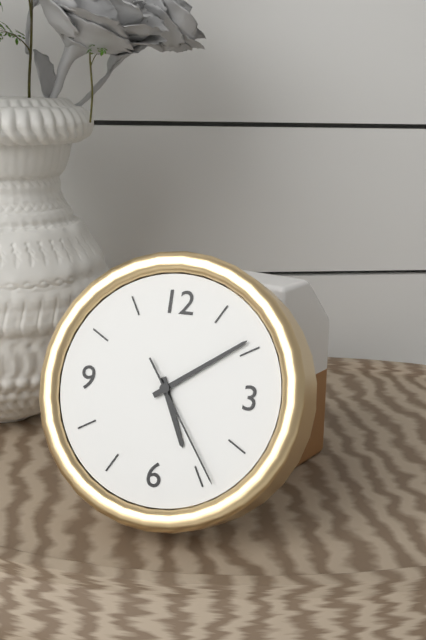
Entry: 5 h 09 min 24 s
